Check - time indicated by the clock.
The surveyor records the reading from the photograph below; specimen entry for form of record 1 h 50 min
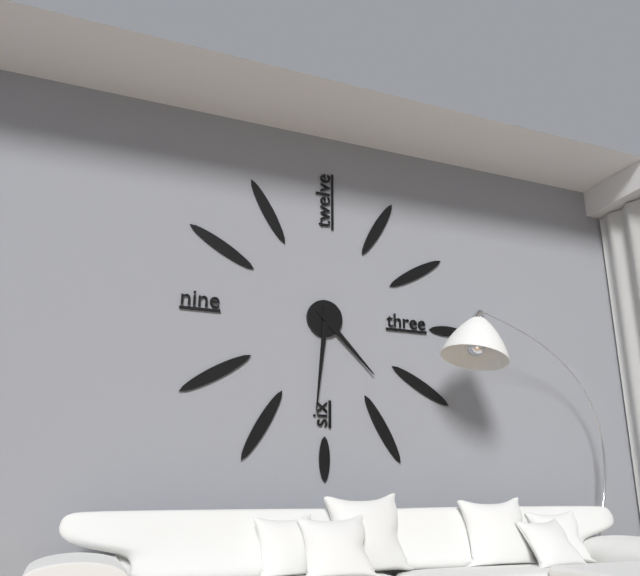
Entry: 4 h 31 min
